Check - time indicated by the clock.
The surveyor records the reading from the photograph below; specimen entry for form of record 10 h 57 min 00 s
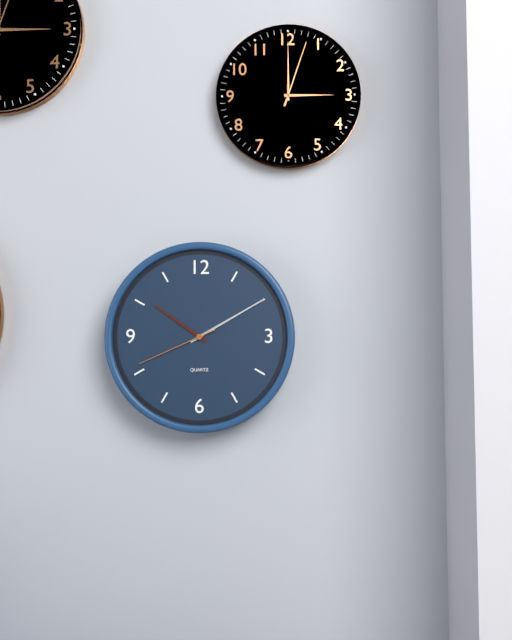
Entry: 10 h 10 min 41 s
